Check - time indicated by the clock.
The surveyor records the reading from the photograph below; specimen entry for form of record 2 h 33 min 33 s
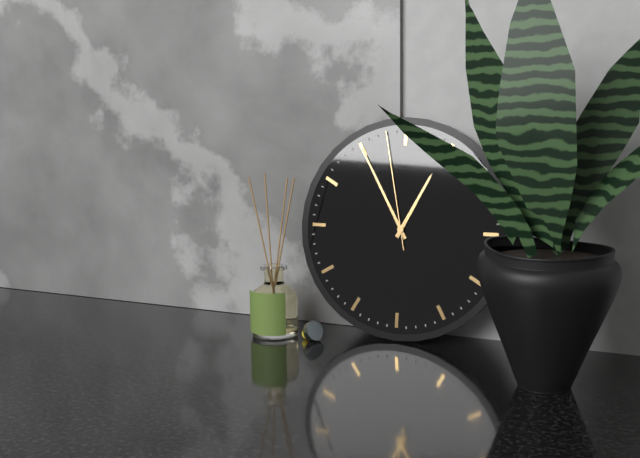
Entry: 12 h 55 min 58 s
